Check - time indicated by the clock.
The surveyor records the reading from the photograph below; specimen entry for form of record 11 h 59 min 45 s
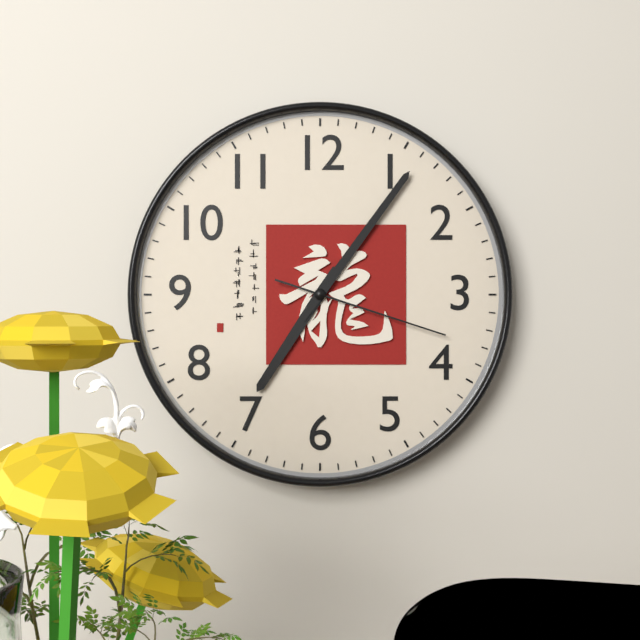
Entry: 7 h 06 min 18 s
